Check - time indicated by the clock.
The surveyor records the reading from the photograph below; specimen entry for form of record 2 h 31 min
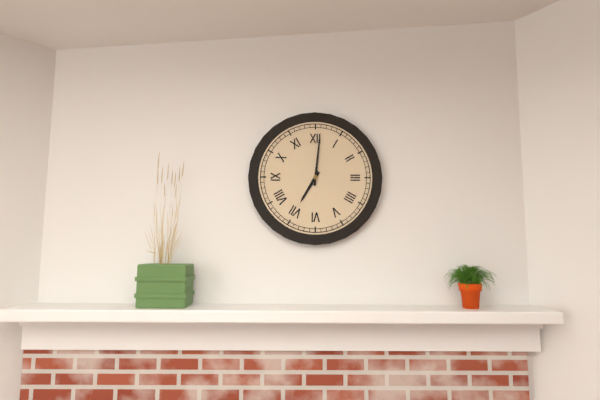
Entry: 7 h 01 min
